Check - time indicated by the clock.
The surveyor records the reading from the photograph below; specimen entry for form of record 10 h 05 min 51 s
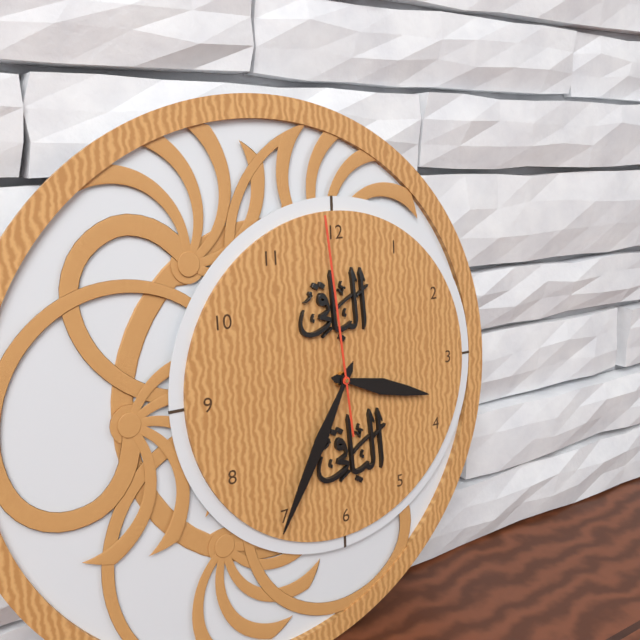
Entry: 3 h 35 min 59 s
